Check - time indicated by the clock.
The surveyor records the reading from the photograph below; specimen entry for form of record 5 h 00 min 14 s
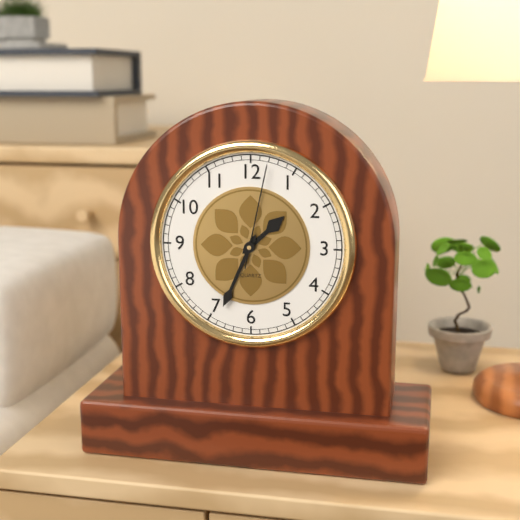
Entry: 1 h 34 min 02 s
